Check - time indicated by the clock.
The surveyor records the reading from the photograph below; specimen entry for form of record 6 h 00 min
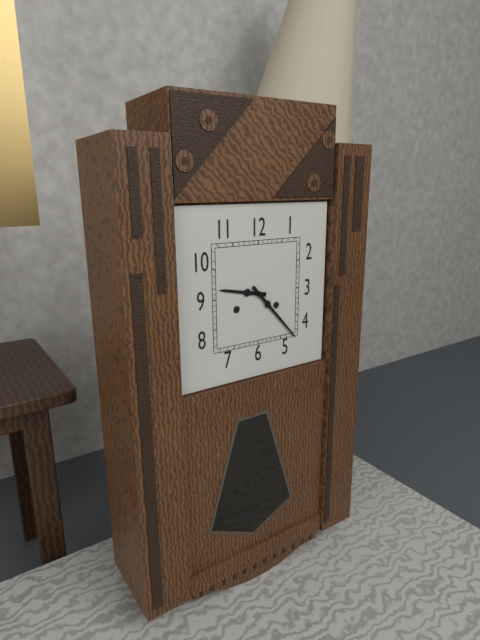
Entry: 9 h 23 min
